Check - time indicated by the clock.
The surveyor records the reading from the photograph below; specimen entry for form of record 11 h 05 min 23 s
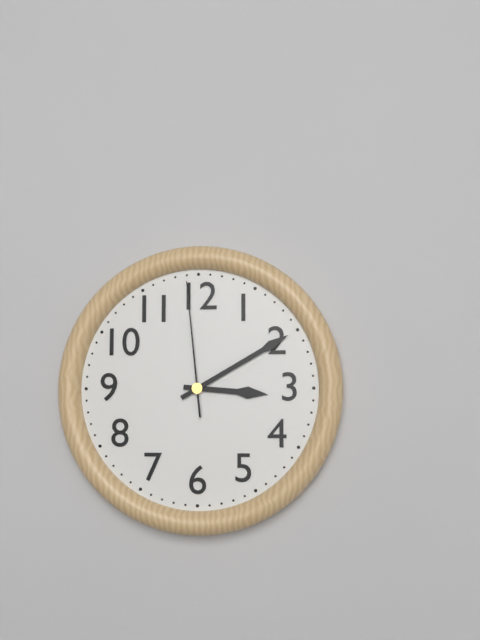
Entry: 3 h 10 min 59 s
